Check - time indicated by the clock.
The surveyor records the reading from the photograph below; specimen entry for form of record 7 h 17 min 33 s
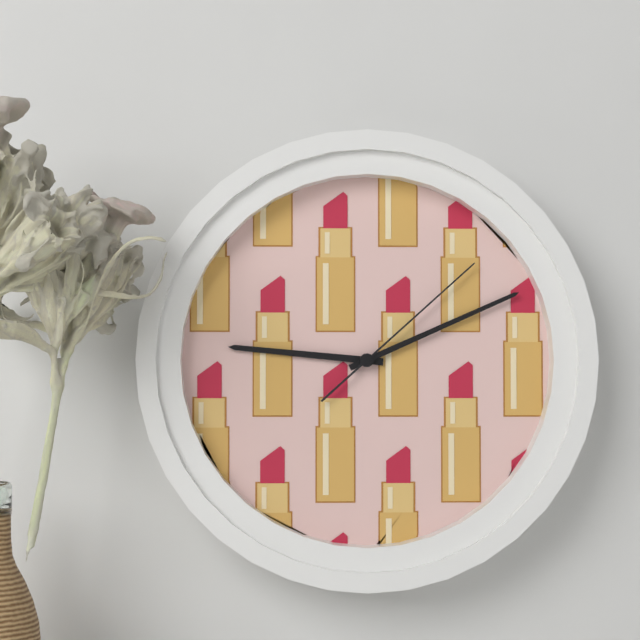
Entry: 9 h 11 min 08 s
